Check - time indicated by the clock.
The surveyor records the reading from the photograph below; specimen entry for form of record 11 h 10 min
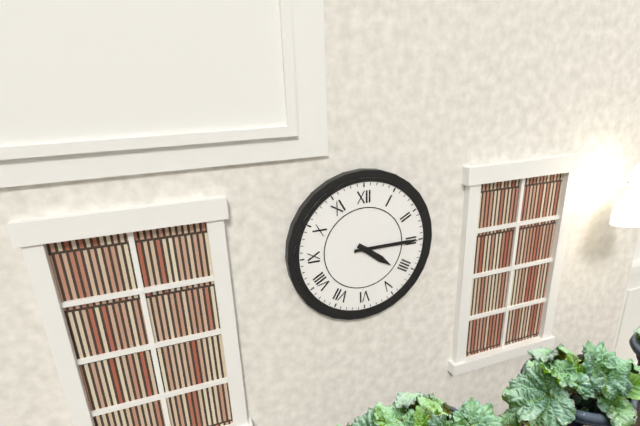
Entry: 4 h 15 min
